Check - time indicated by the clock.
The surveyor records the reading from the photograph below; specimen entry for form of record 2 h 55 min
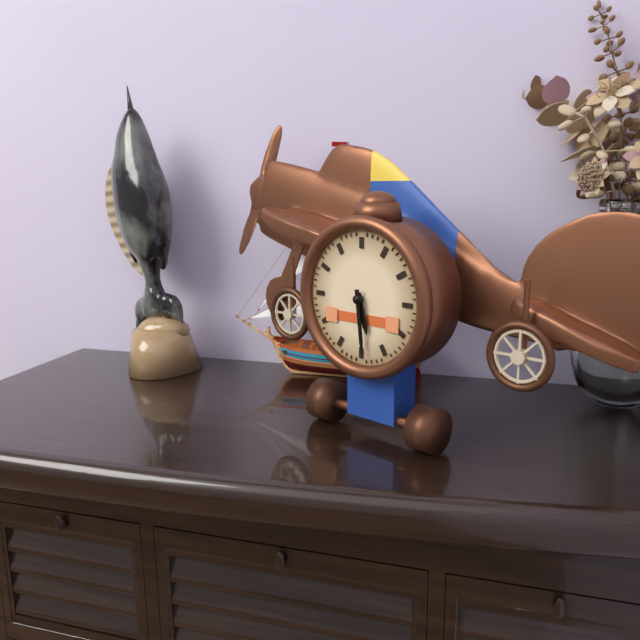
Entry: 5 h 29 min
